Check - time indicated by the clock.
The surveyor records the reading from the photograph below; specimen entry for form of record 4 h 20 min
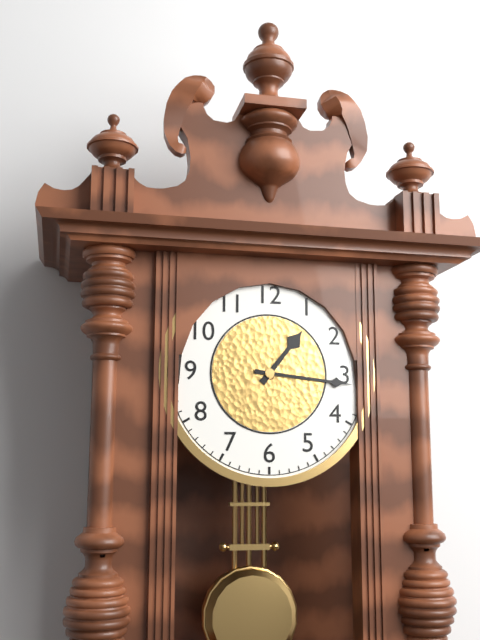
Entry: 1 h 16 min
